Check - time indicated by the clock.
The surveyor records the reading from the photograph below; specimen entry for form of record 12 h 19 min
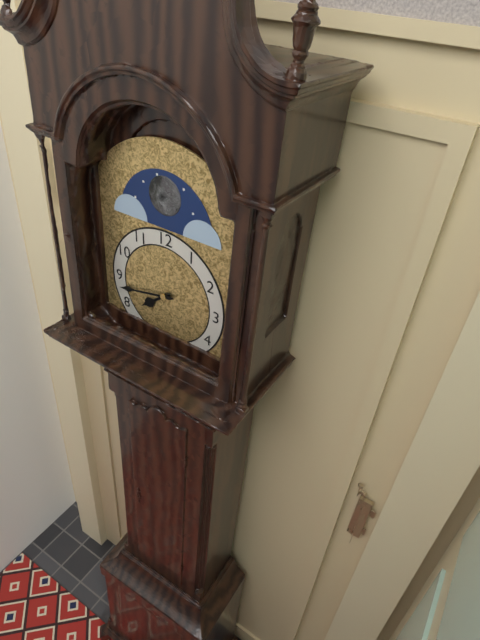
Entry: 7 h 43 min
